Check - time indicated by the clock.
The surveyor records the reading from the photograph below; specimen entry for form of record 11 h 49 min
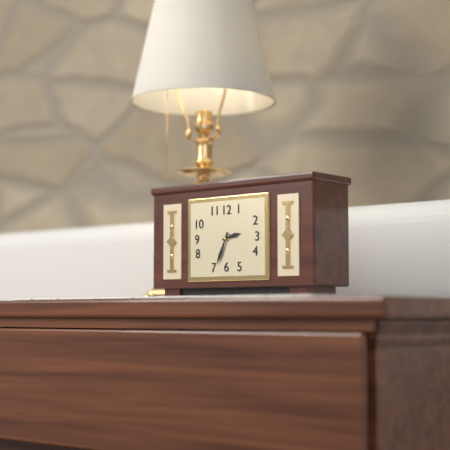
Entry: 2 h 34 min
